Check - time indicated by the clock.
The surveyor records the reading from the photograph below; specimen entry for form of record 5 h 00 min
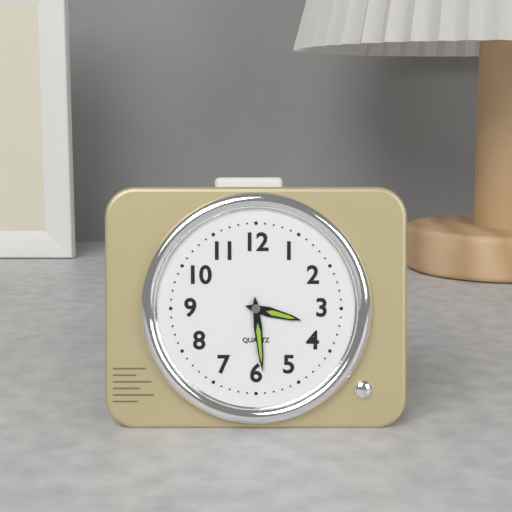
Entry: 3 h 29 min
